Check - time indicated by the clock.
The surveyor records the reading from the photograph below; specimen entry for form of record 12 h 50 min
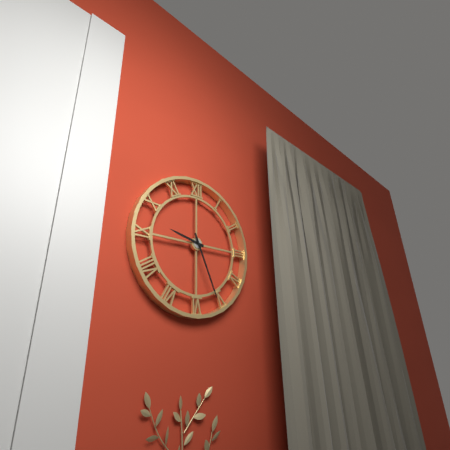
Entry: 9 h 26 min
